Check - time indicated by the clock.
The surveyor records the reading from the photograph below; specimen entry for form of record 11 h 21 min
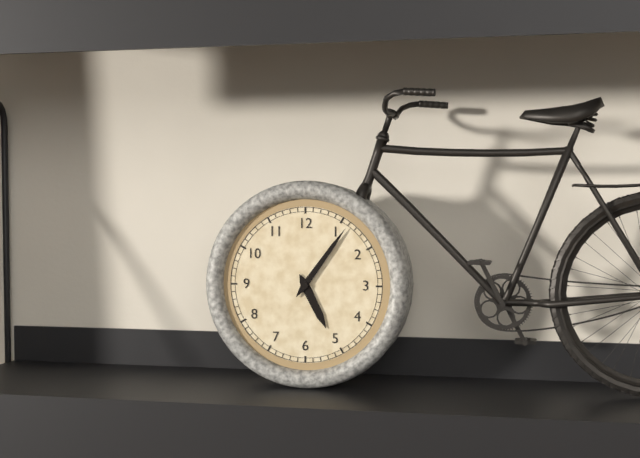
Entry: 5 h 06 min
